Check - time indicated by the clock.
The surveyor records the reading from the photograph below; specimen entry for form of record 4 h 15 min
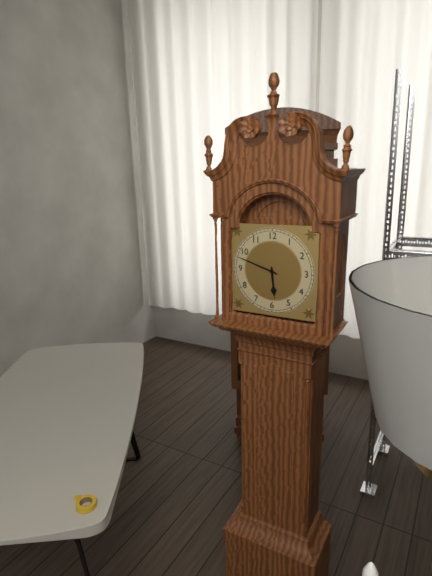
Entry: 5 h 48 min
